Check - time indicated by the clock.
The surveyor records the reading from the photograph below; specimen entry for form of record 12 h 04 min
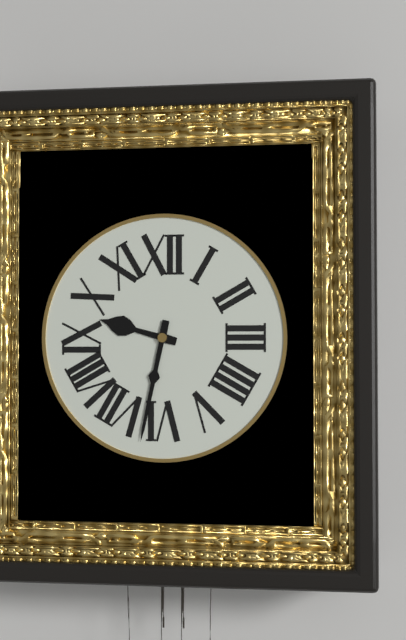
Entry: 9 h 32 min
